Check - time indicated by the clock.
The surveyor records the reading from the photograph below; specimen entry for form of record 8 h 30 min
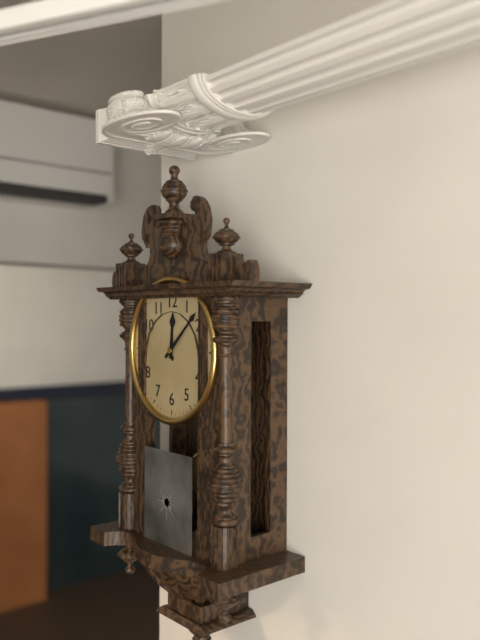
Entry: 12 h 08 min
